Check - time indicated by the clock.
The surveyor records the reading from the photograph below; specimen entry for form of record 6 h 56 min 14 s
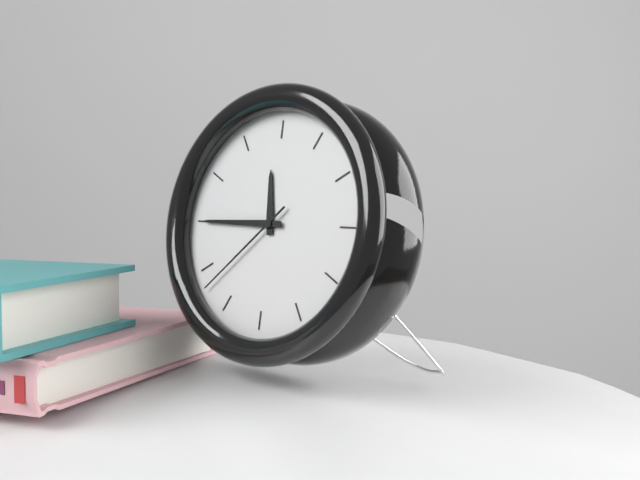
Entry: 11 h 45 min 38 s
